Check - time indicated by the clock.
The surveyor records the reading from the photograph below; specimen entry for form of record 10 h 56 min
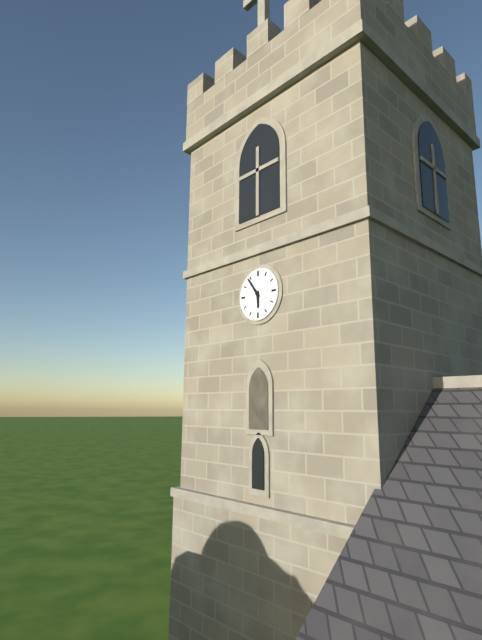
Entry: 5 h 54 min
